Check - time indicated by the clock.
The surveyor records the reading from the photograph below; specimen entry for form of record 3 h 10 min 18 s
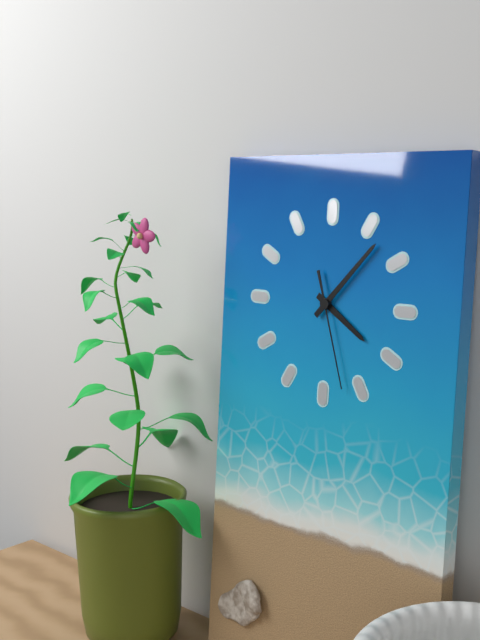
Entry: 4 h 07 min 27 s
